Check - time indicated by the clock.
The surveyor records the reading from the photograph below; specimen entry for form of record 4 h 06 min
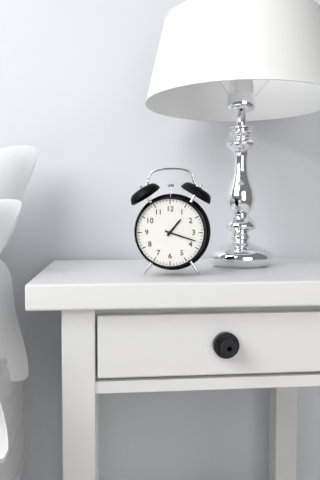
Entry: 1 h 18 min
